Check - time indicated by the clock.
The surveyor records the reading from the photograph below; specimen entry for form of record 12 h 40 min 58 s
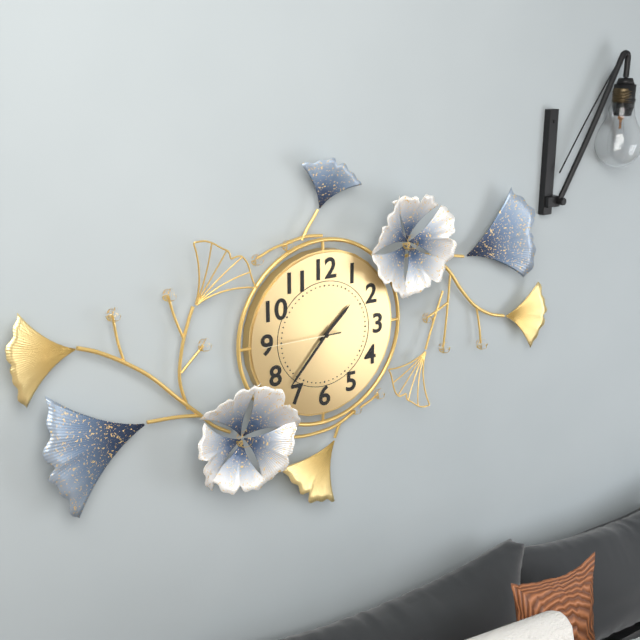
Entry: 1 h 37 min 45 s
